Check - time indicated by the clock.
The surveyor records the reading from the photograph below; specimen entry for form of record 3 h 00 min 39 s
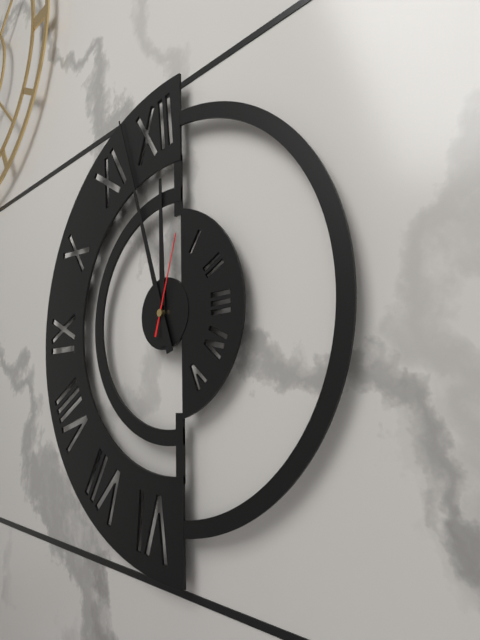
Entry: 11 h 57 min 03 s
